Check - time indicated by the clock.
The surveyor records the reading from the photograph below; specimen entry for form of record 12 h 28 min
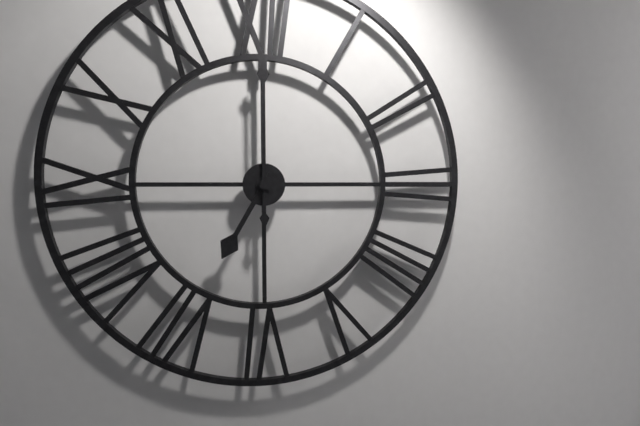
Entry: 7 h 00 min
